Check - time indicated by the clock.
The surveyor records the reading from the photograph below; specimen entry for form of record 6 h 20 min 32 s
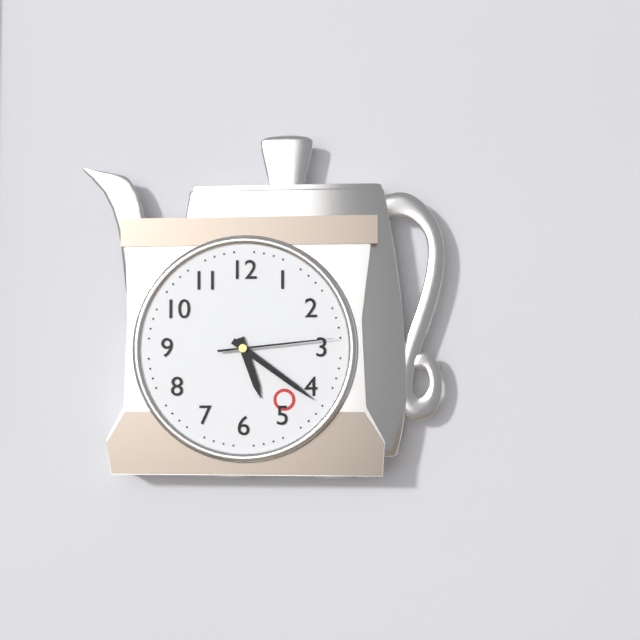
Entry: 5 h 21 min 14 s
